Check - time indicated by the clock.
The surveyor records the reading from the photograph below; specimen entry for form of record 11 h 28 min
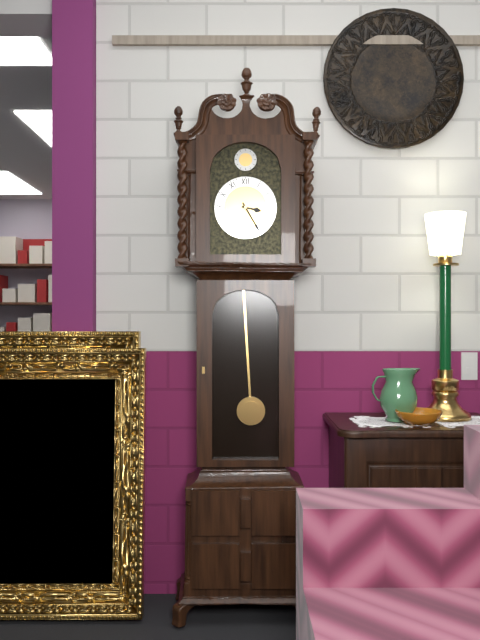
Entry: 3 h 25 min
